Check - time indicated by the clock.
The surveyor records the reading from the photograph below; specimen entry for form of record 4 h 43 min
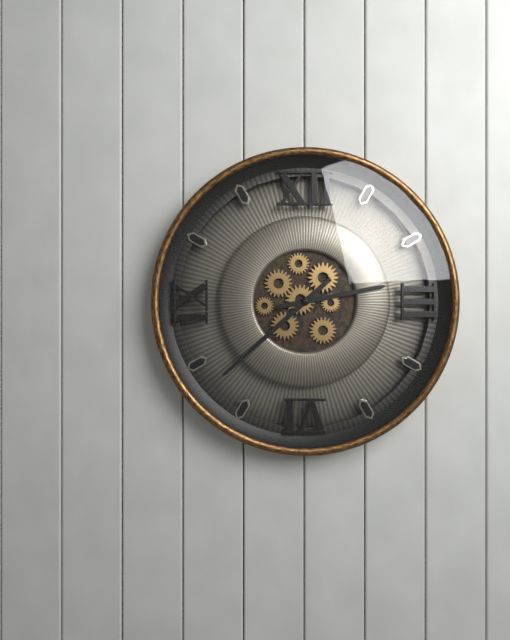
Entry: 2 h 38 min
